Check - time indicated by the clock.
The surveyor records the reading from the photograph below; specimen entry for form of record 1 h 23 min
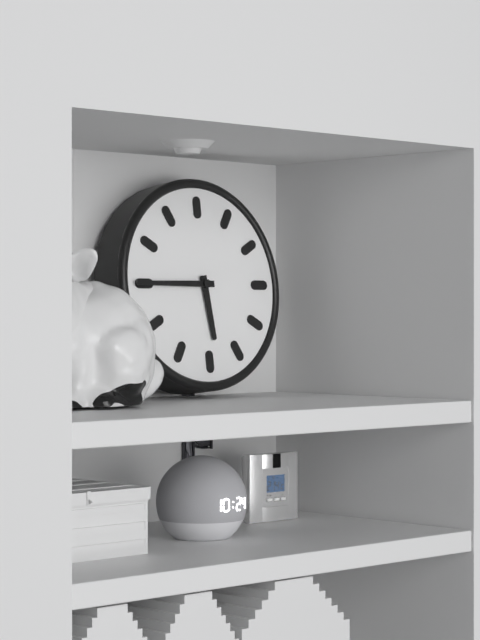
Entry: 5 h 45 min
